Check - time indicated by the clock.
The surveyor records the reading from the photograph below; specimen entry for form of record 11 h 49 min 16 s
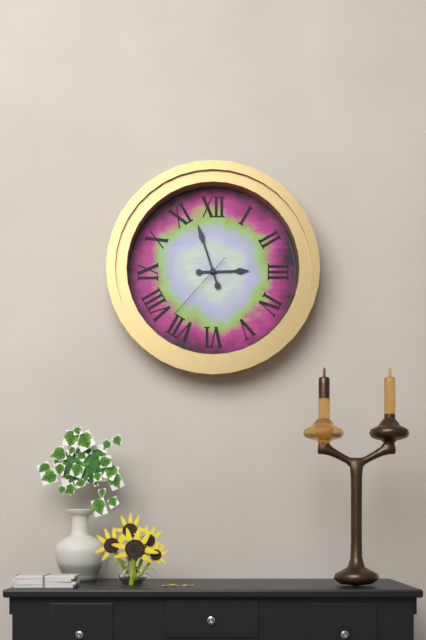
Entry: 2 h 57 min 37 s
